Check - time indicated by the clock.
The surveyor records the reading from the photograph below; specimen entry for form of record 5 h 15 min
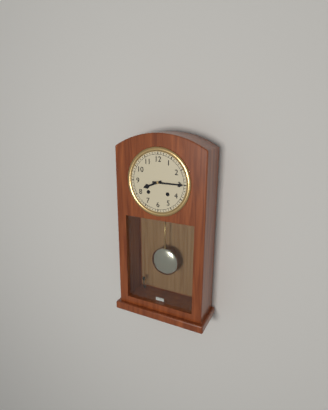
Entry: 8 h 15 min
